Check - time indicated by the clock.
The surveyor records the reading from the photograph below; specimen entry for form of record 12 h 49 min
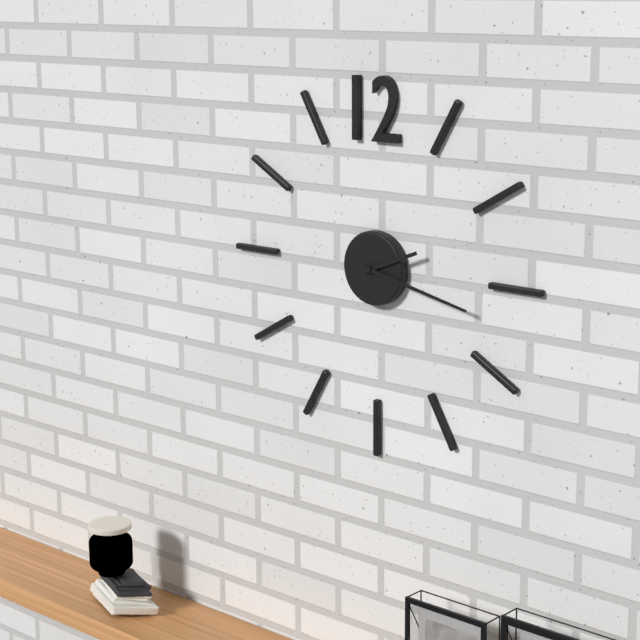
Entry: 2 h 17 min
